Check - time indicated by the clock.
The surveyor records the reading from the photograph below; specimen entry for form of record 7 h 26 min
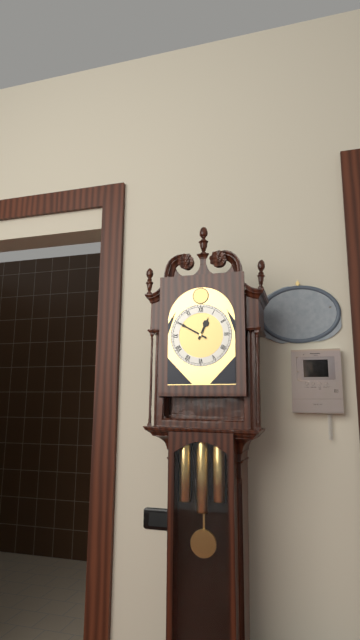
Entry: 12 h 50 min
